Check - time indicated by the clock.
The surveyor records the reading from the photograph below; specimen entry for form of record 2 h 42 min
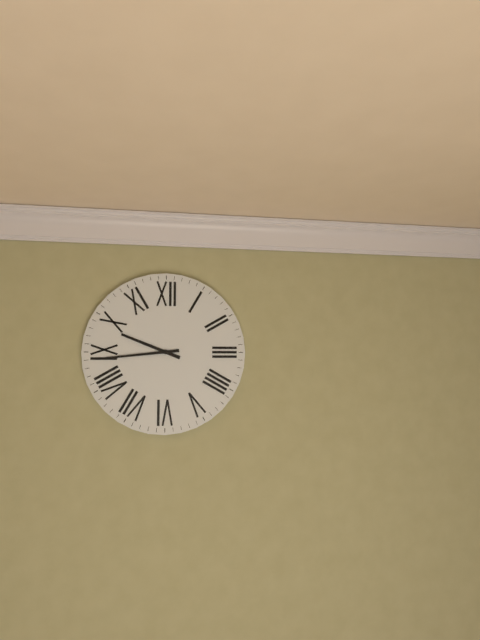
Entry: 9 h 44 min
